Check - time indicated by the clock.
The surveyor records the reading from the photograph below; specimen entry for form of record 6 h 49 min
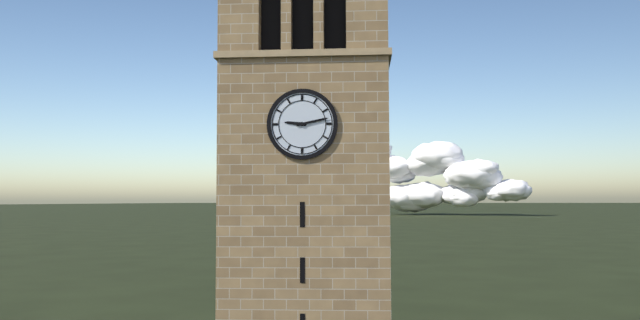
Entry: 9 h 13 min
